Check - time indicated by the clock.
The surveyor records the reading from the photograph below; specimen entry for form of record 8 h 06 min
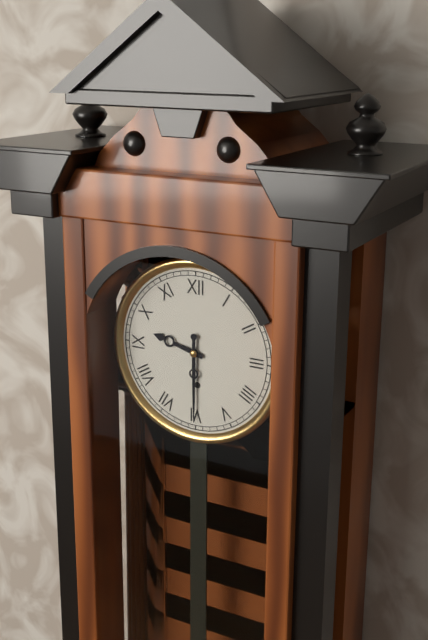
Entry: 9 h 30 min
